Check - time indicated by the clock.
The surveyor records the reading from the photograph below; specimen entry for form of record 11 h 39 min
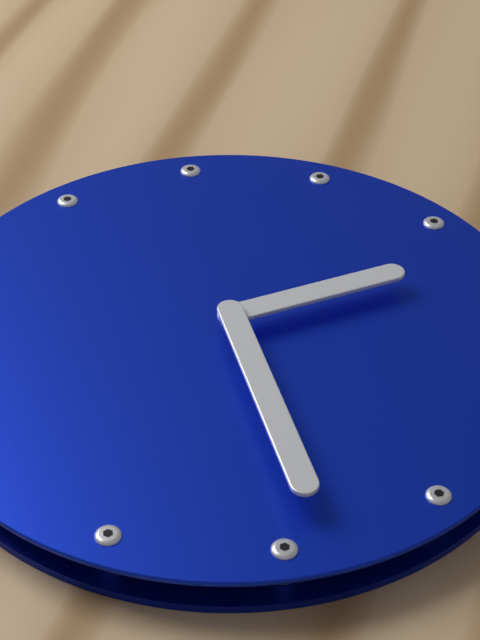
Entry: 3 h 34 min
